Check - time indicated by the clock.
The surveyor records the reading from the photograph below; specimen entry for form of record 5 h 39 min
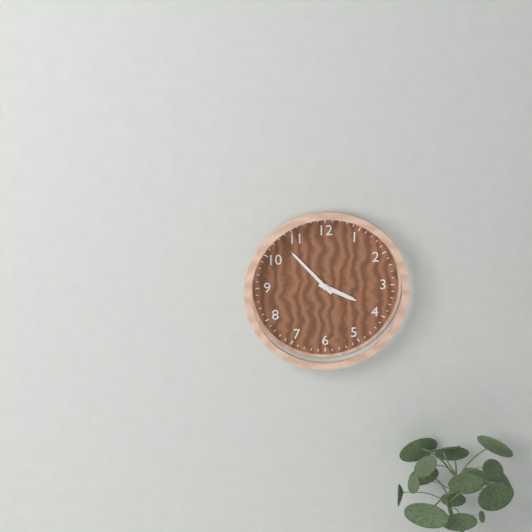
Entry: 3 h 53 min
